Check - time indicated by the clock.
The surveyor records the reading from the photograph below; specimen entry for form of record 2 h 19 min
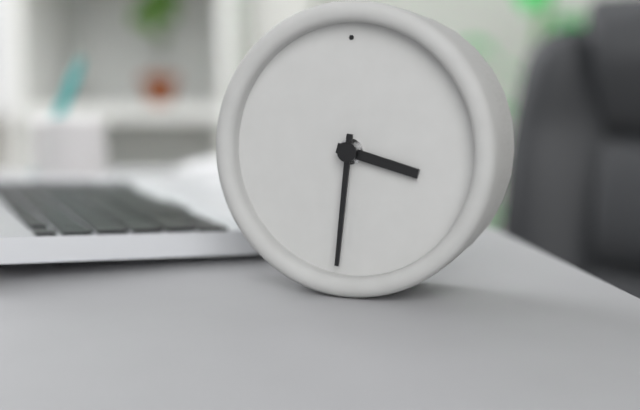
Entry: 3 h 31 min
